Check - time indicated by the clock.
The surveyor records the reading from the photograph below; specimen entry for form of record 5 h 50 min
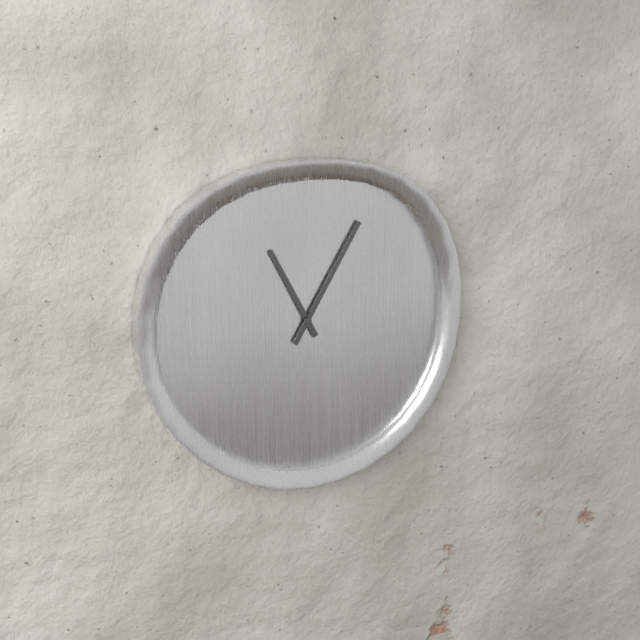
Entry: 11 h 05 min
